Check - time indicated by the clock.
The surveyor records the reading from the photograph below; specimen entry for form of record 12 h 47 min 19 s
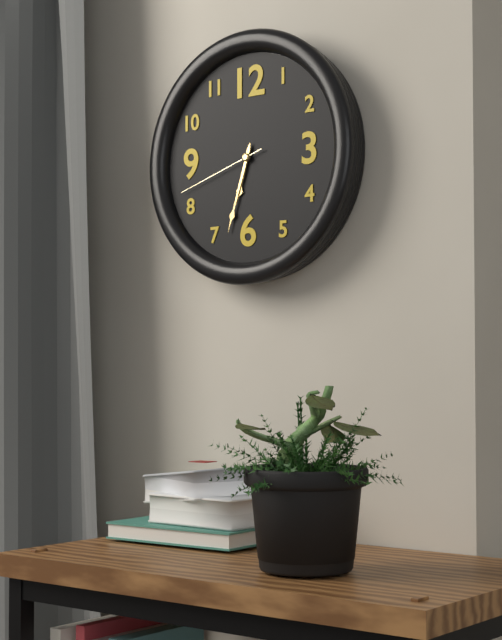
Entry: 6 h 33 min 42 s
